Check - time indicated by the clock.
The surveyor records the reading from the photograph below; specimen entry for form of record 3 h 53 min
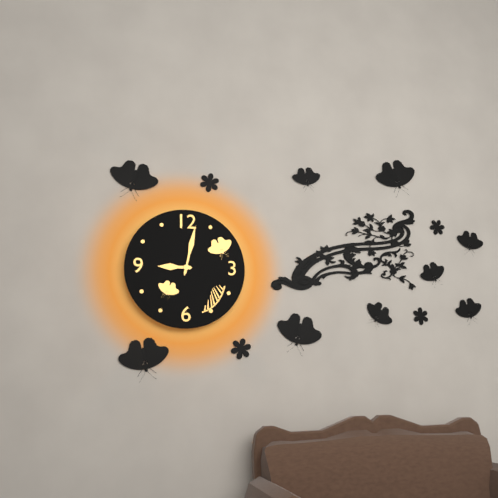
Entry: 9 h 02 min
